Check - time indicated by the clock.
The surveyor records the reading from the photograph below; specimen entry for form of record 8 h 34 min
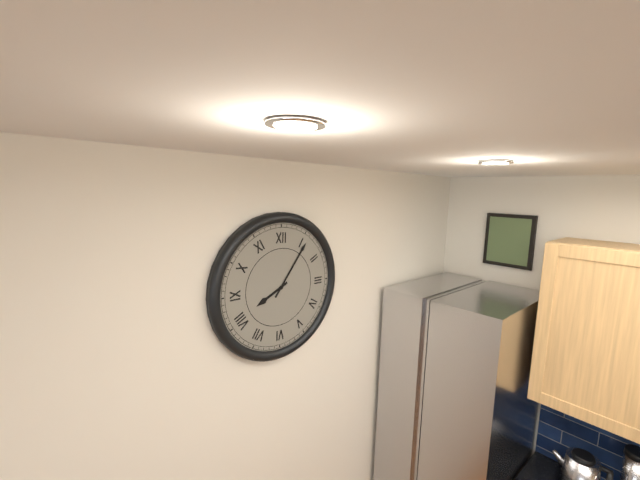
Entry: 8 h 06 min
